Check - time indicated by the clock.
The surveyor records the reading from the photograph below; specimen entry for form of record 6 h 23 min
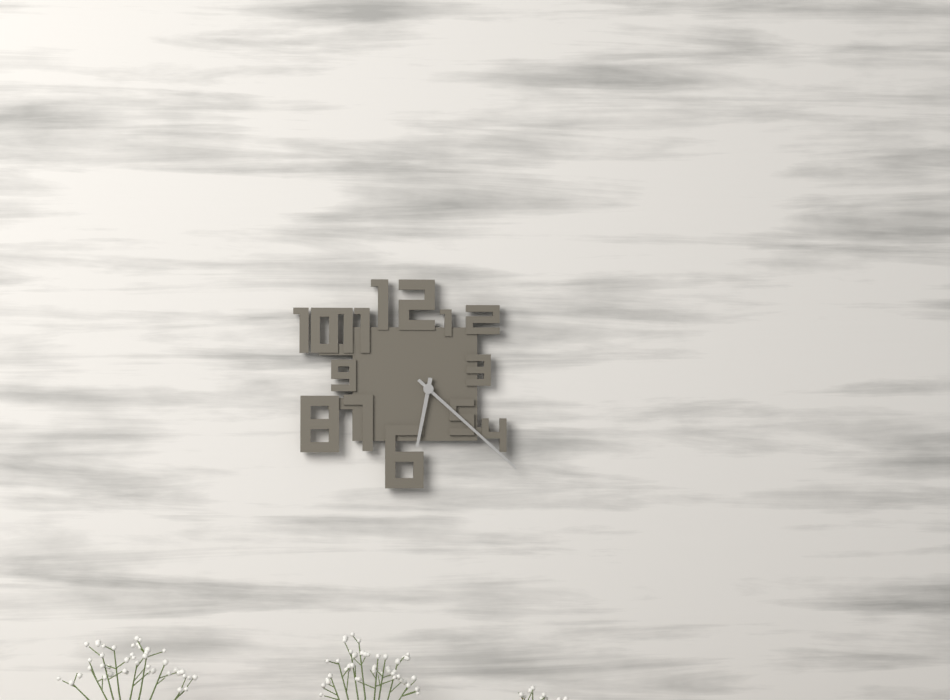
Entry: 6 h 22 min
